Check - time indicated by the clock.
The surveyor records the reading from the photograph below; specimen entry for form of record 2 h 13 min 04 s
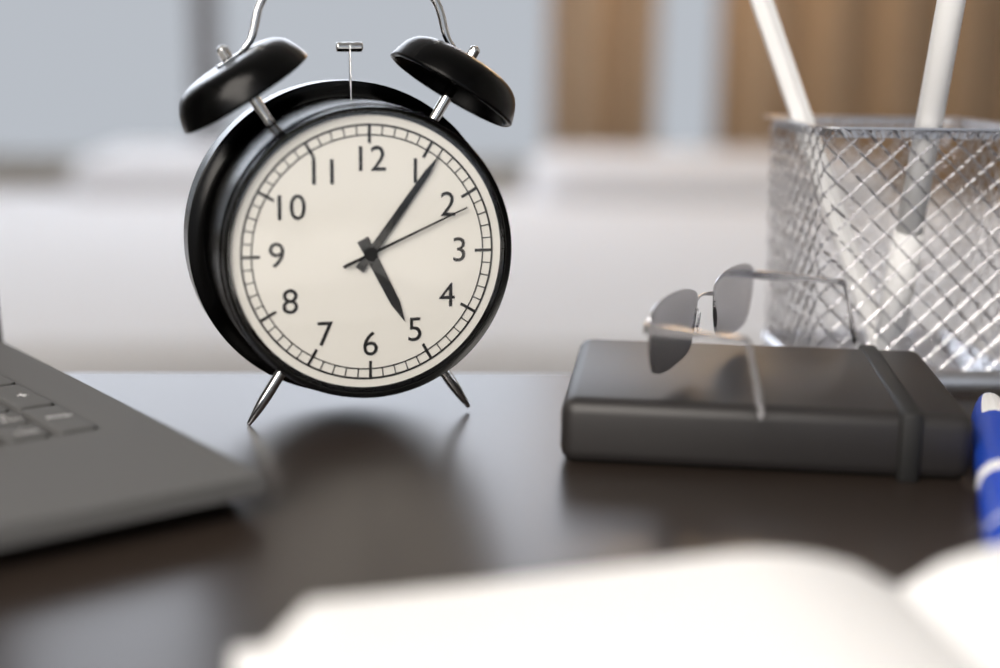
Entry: 5 h 06 min 11 s
